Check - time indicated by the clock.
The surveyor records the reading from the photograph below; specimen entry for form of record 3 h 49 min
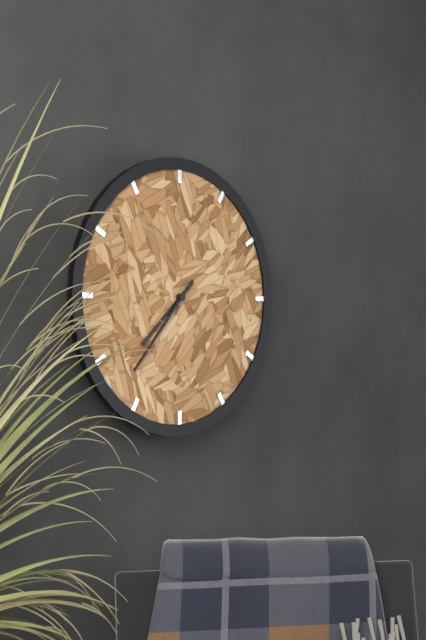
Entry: 7 h 37 min
